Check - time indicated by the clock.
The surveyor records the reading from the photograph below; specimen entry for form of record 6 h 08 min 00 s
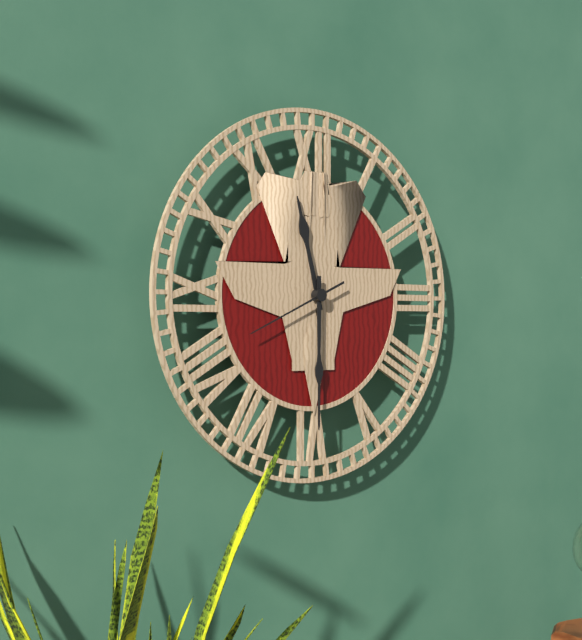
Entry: 11 h 30 min 41 s
